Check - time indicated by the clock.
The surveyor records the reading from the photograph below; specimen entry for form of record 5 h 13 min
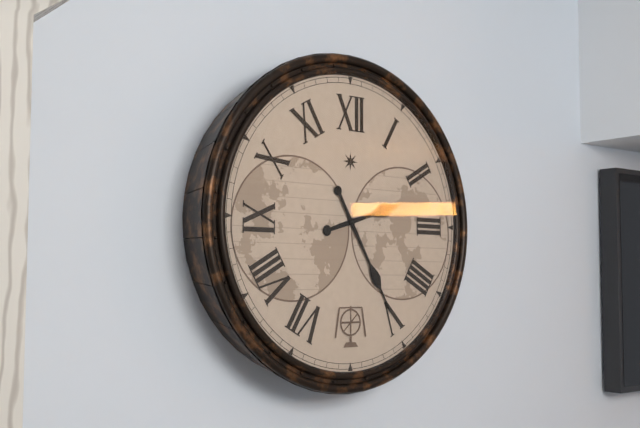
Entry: 2 h 25 min
